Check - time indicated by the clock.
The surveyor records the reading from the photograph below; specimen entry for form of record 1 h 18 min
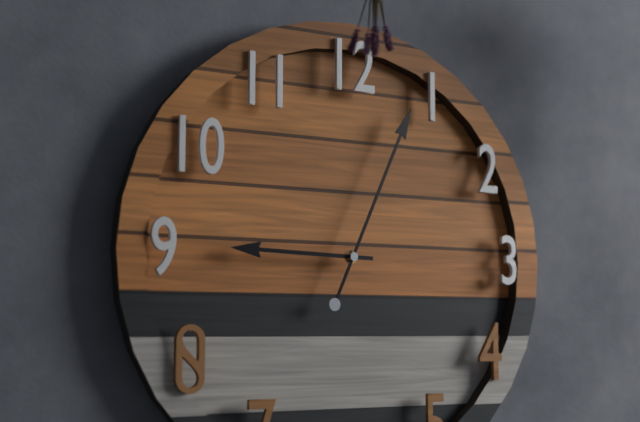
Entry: 9 h 04 min
